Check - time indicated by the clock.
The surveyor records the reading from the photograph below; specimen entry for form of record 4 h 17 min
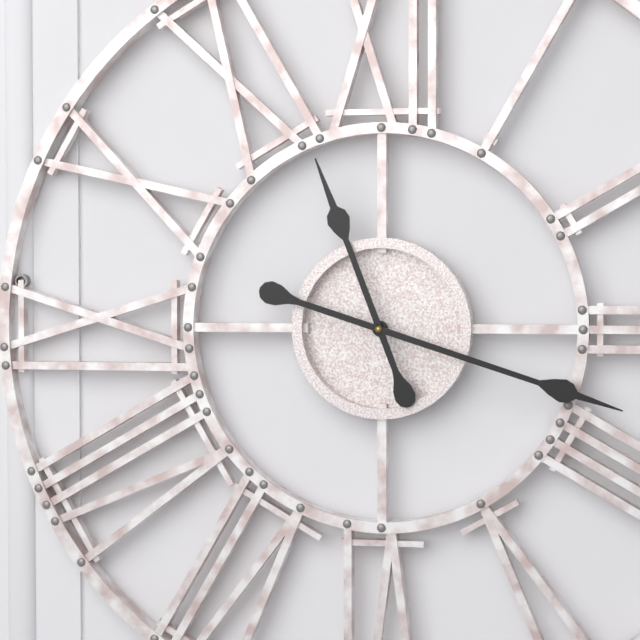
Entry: 11 h 18 min
